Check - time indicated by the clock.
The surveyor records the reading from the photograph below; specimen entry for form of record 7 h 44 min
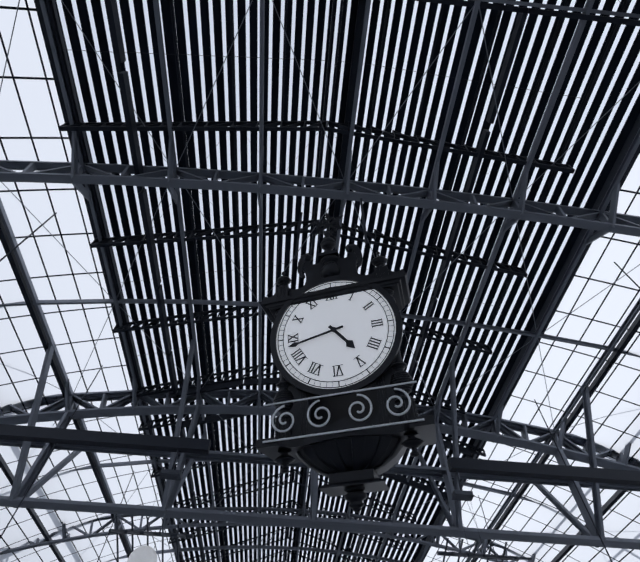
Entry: 4 h 43 min
